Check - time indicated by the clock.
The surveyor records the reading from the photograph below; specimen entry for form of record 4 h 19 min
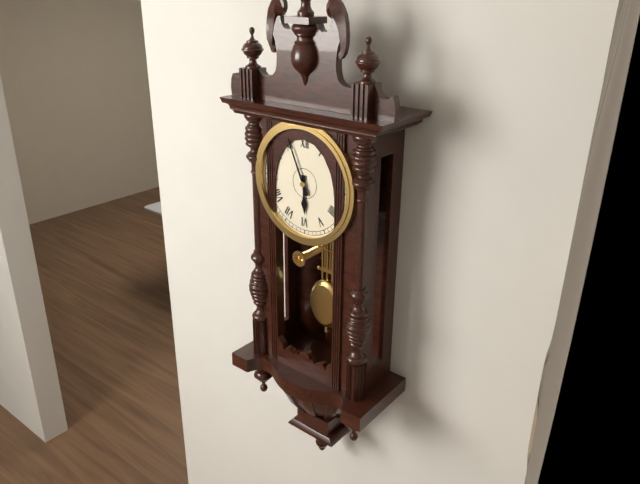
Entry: 5 h 56 min
